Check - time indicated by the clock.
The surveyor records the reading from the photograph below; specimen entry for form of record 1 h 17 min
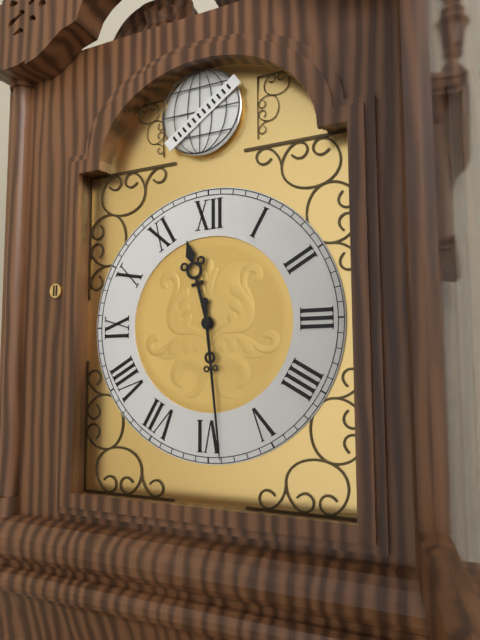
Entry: 11 h 29 min
